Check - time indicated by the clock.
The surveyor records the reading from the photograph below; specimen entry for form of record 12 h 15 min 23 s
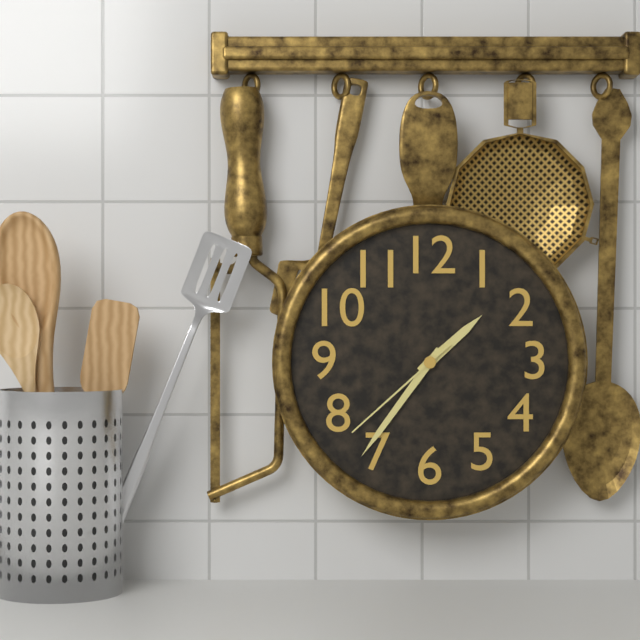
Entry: 1 h 36 min 38 s
